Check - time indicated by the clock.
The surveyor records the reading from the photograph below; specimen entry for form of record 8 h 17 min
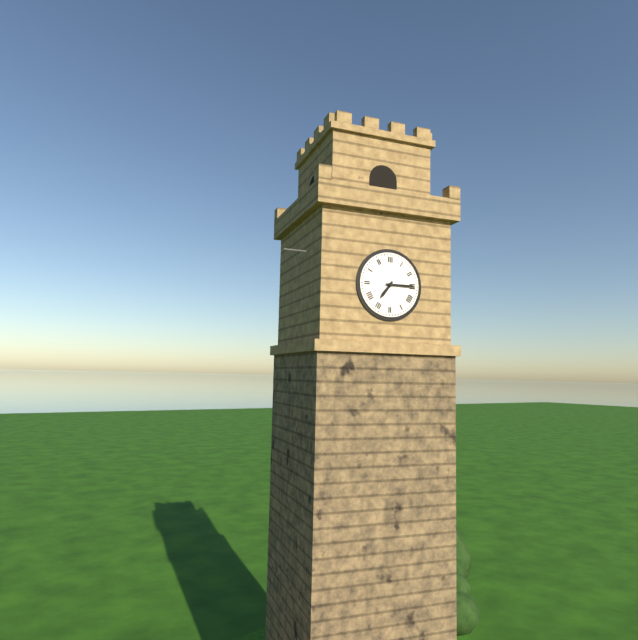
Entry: 7 h 15 min
